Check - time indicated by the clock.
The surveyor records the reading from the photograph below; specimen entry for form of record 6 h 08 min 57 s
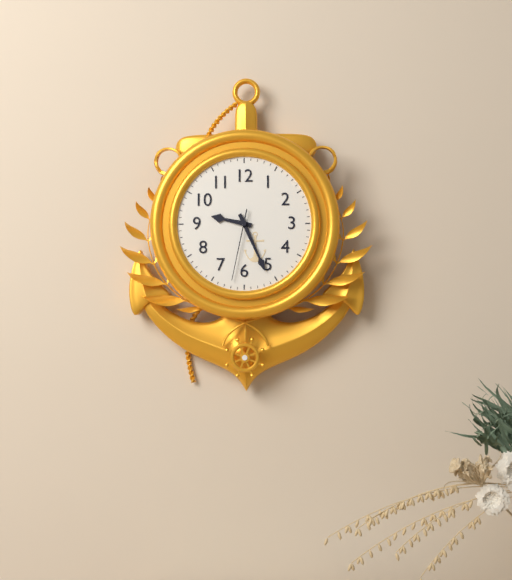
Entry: 9 h 26 min 32 s
